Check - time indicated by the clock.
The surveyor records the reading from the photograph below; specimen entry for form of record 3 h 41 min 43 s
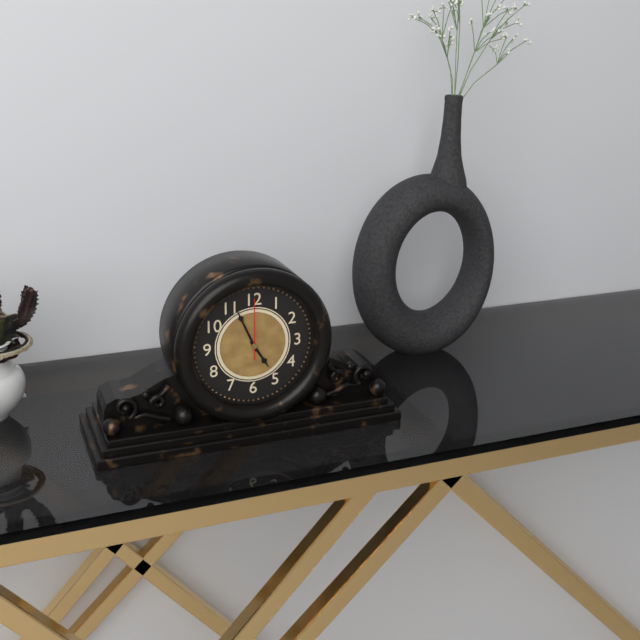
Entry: 4 h 56 min 00 s
